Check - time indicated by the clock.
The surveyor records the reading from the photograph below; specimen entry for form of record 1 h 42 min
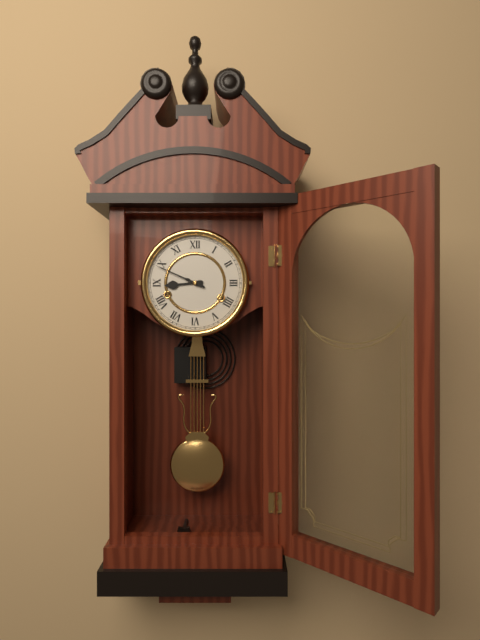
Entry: 8 h 49 min
